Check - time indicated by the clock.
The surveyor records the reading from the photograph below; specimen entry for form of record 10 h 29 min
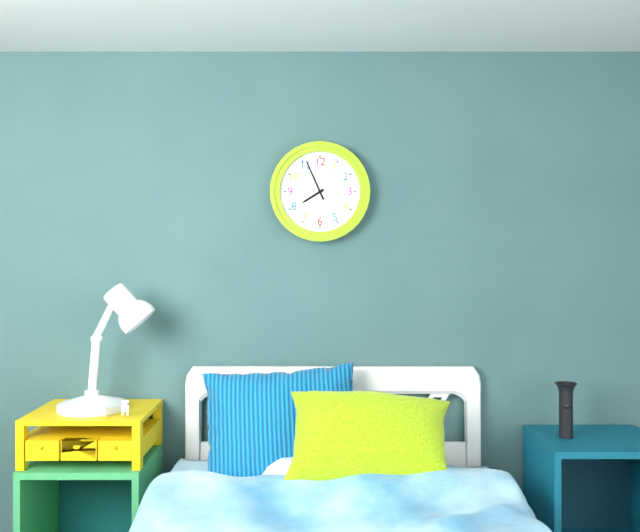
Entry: 7 h 56 min
